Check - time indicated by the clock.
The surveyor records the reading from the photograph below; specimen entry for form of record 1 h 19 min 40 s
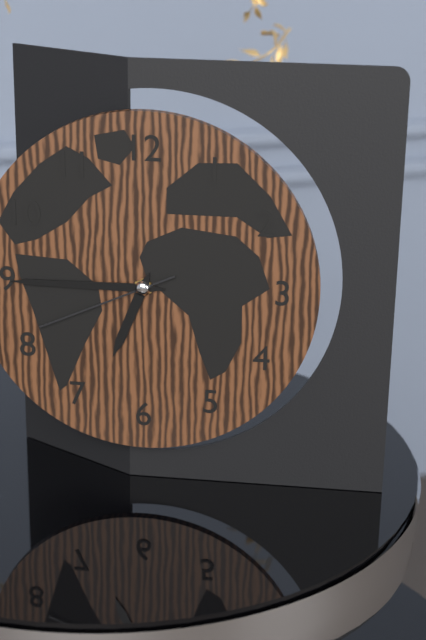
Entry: 6 h 45 min 41 s
